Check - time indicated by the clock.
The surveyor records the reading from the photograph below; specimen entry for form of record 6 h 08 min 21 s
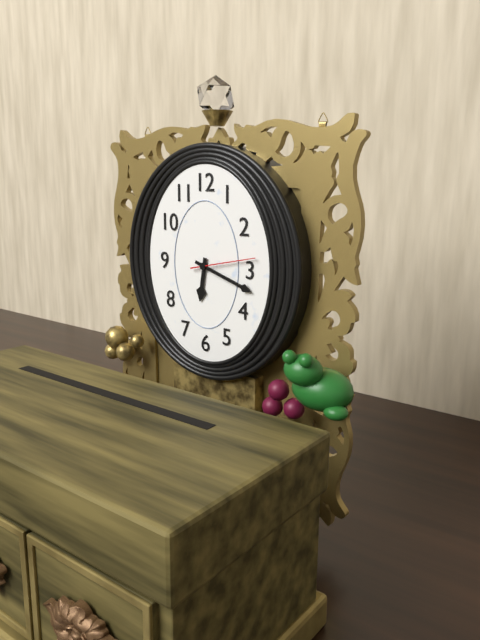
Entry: 6 h 18 min 13 s
